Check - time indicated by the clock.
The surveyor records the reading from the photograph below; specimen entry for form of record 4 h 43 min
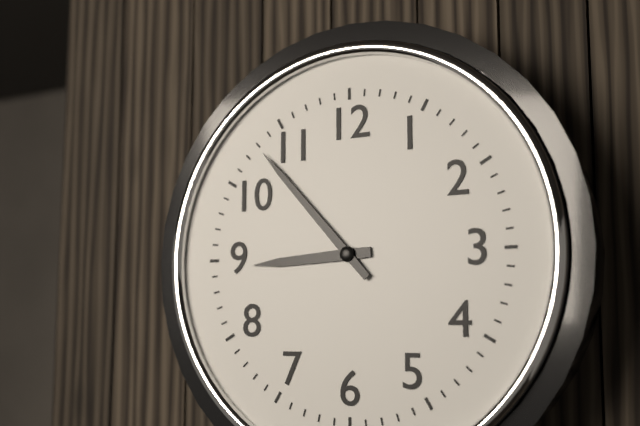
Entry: 8 h 53 min
